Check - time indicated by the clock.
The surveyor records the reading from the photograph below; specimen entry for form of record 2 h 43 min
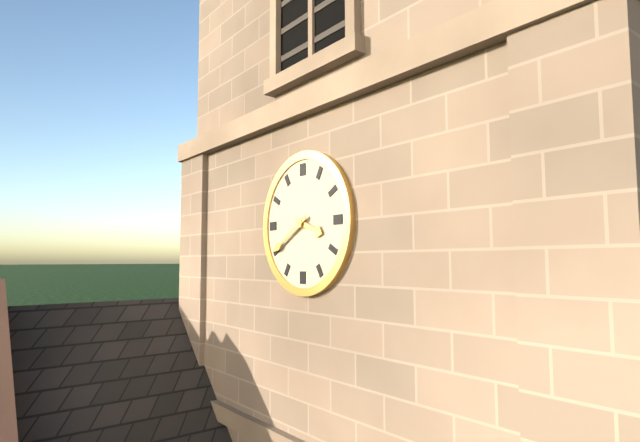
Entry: 3 h 40 min
